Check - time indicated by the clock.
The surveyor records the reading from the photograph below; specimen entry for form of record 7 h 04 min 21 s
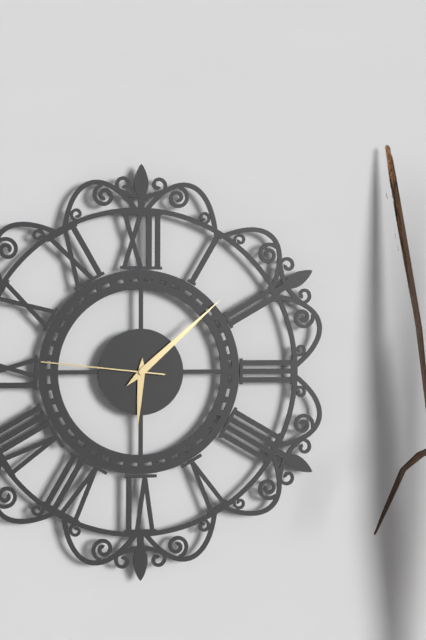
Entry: 6 h 08 min 46 s
